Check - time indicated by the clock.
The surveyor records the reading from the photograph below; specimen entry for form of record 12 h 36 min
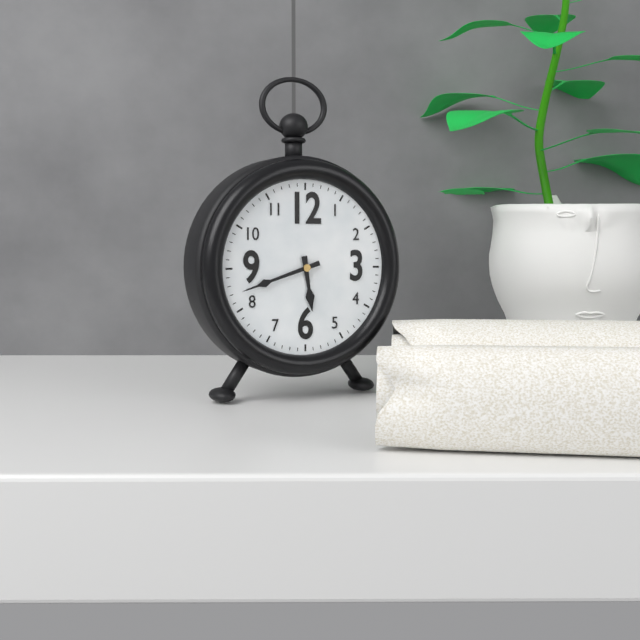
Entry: 5 h 42 min
